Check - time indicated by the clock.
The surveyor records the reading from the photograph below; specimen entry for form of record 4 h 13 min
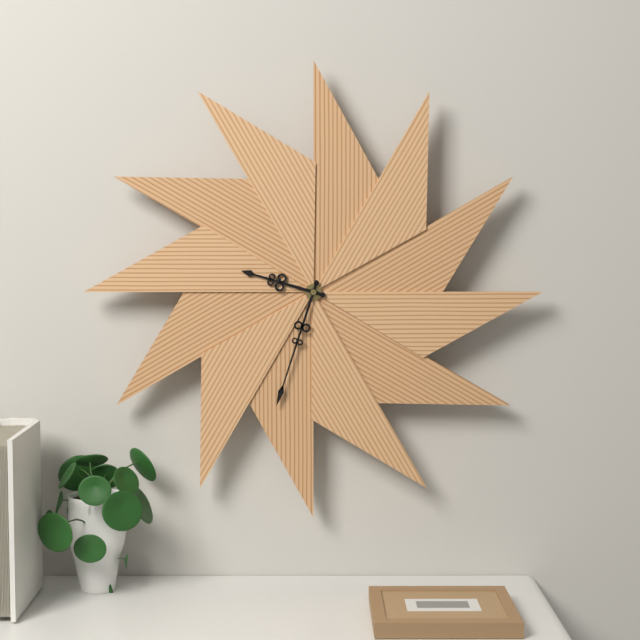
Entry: 9 h 33 min
